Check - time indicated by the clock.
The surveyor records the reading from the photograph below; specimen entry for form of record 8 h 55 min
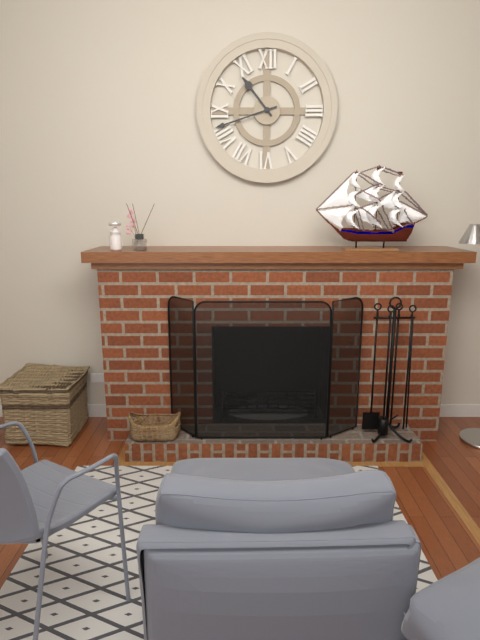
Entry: 10 h 42 min
